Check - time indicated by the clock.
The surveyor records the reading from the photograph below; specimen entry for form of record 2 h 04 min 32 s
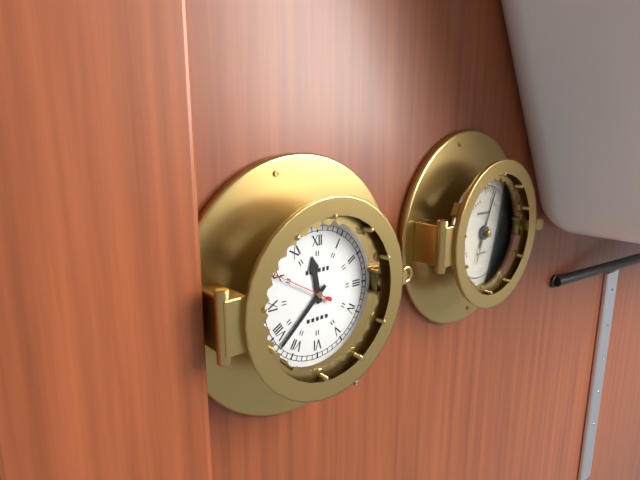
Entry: 11 h 38 min 50 s
